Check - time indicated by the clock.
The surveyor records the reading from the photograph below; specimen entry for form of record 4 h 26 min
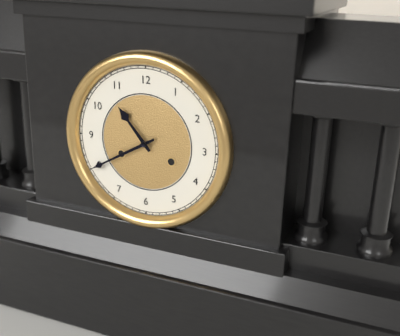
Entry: 10 h 40 min
